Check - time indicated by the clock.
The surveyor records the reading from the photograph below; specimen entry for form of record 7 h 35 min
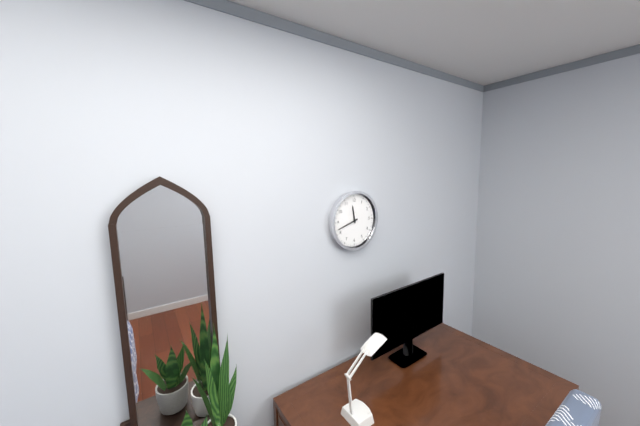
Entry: 11 h 42 min
